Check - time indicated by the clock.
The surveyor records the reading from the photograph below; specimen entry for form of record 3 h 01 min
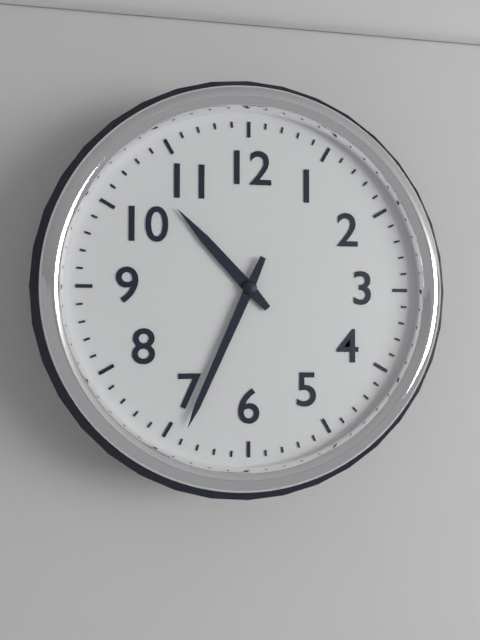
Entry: 10 h 34 min
